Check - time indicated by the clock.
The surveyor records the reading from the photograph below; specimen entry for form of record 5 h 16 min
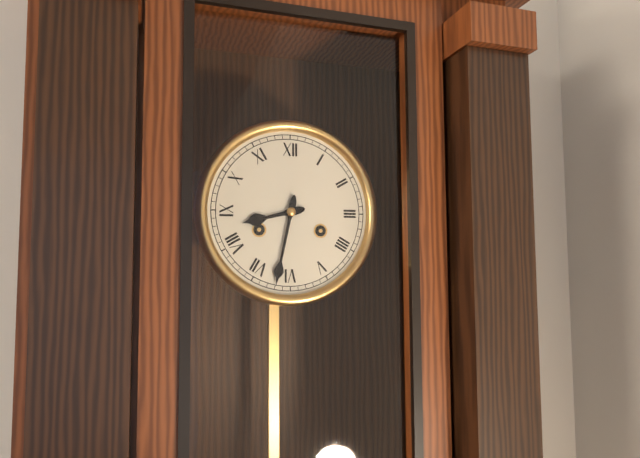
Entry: 8 h 32 min
